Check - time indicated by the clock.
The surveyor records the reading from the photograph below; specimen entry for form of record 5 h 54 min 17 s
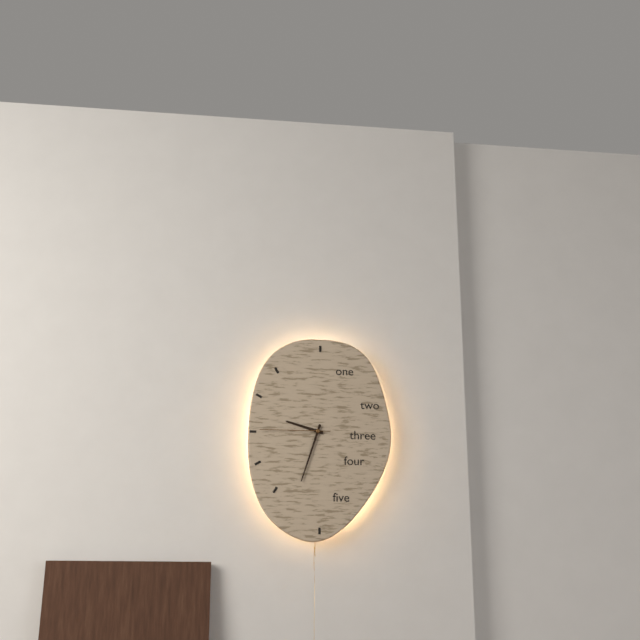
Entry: 9 h 33 min 45 s
